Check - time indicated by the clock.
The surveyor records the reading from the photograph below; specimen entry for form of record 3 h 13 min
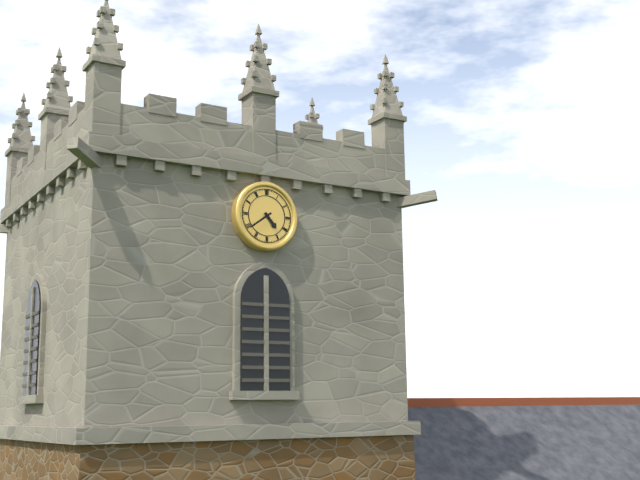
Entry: 4 h 39 min
